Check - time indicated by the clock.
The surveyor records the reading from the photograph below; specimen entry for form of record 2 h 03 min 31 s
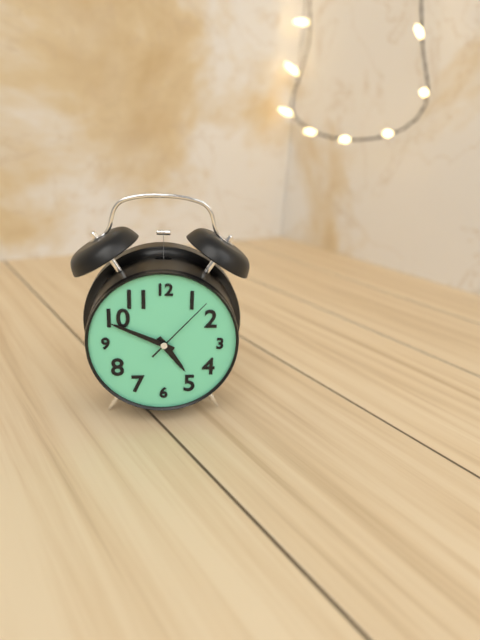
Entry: 4 h 49 min 07 s
